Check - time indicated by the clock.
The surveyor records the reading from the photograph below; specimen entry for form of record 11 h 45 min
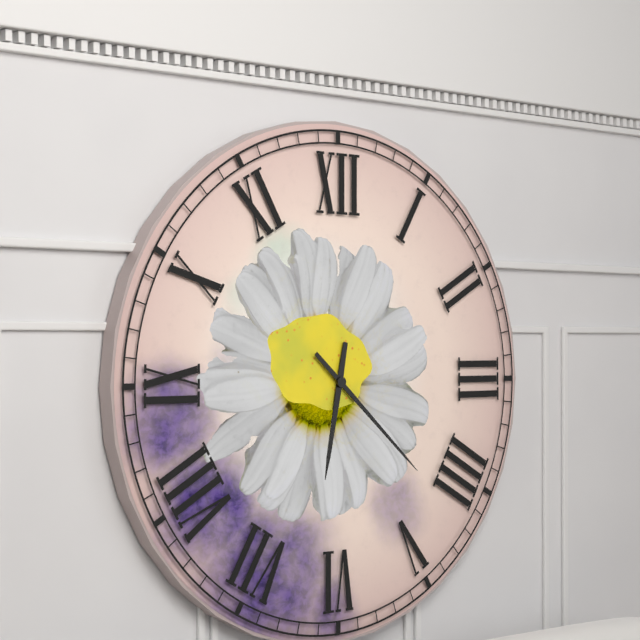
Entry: 6 h 22 min
